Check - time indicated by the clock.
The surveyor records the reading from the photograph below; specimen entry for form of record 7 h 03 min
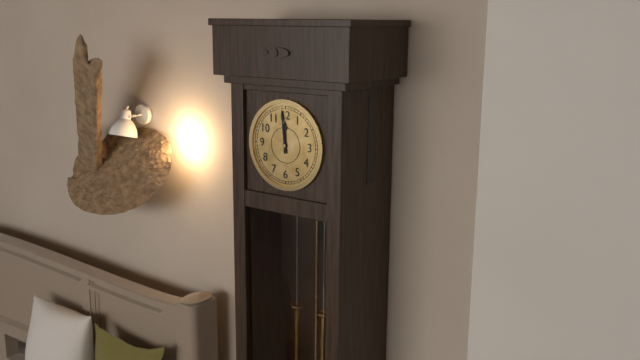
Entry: 11 h 59 min
